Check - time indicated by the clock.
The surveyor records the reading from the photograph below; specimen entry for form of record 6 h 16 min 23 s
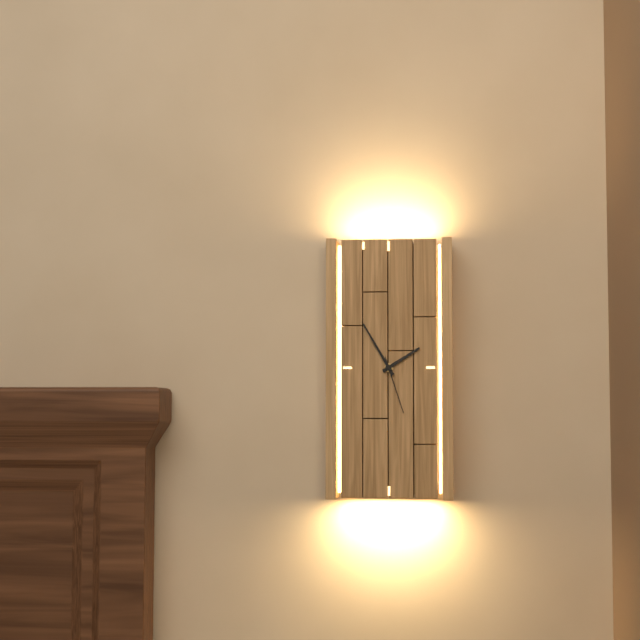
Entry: 1 h 55 min 27 s
